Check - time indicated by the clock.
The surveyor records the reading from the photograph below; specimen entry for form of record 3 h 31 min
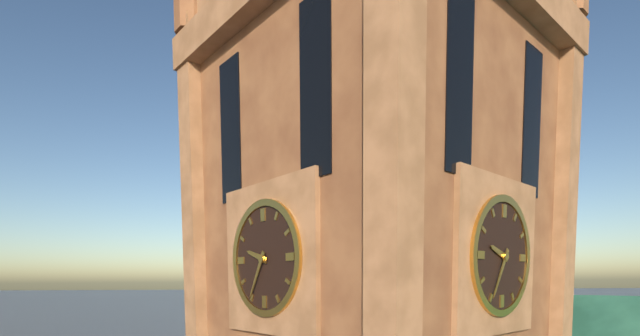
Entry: 9 h 35 min
